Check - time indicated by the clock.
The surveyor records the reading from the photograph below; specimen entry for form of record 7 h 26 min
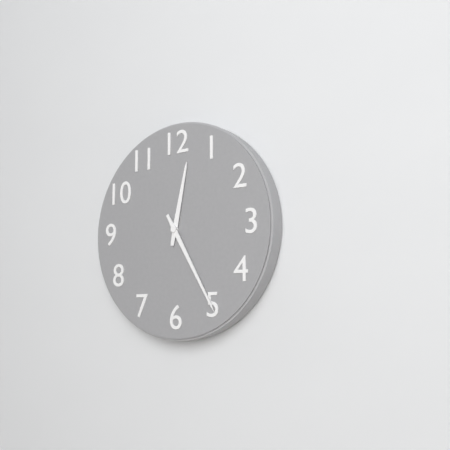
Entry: 12 h 25 min
